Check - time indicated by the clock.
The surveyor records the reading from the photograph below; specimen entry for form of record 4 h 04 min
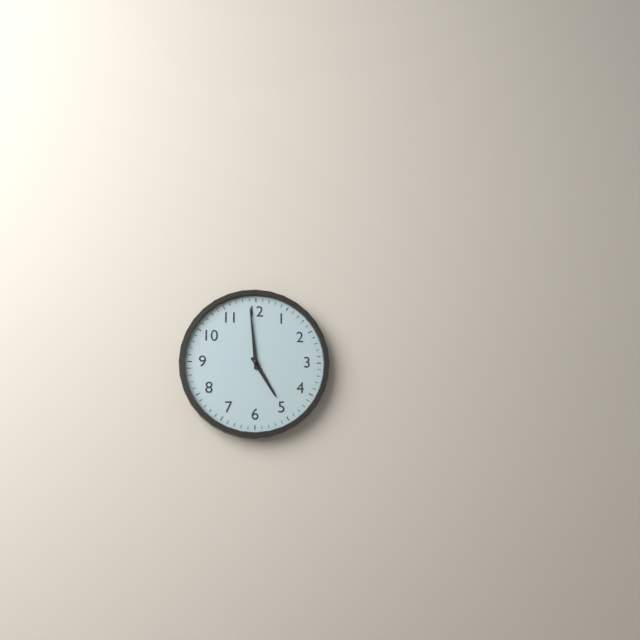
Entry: 4 h 59 min
